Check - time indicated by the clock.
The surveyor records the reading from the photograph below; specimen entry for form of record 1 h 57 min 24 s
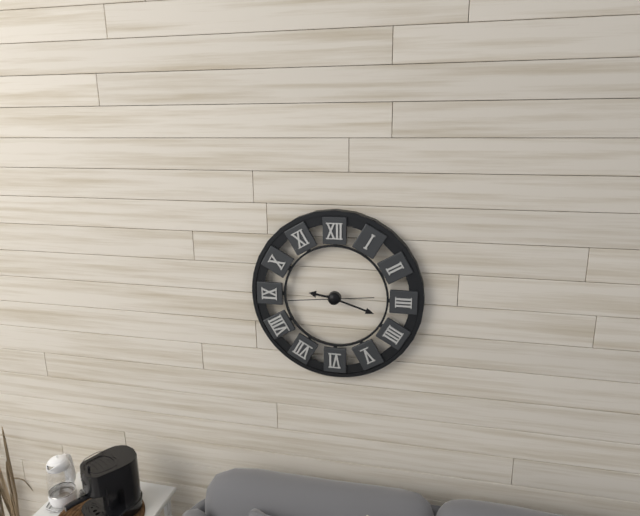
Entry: 9 h 18 min 44 s
